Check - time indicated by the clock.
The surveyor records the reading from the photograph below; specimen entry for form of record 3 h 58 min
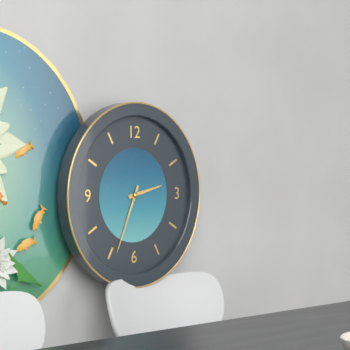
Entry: 2 h 34 min
